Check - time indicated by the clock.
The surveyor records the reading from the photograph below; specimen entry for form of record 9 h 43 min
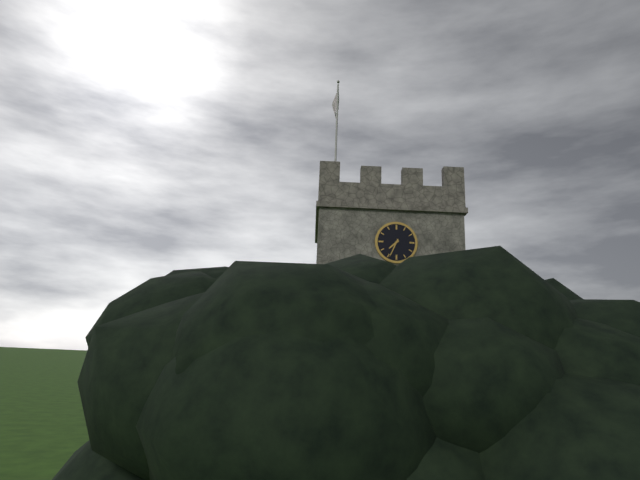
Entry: 7 h 34 min
